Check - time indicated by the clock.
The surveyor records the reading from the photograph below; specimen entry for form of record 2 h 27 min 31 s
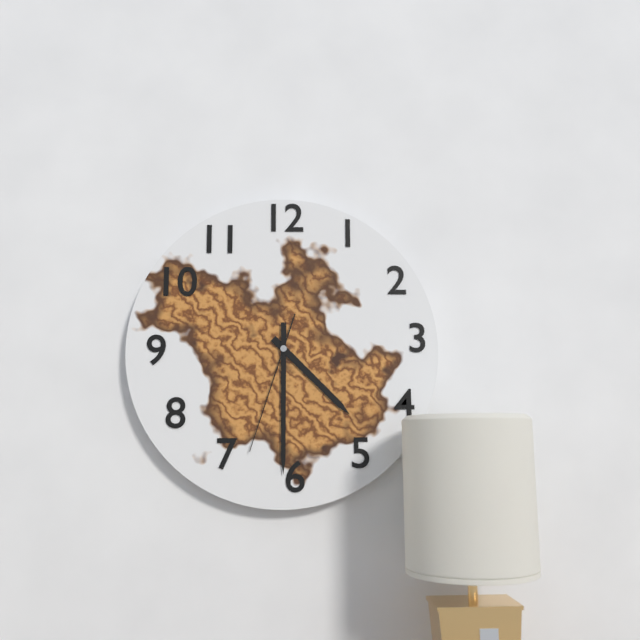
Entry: 4 h 30 min 33 s
